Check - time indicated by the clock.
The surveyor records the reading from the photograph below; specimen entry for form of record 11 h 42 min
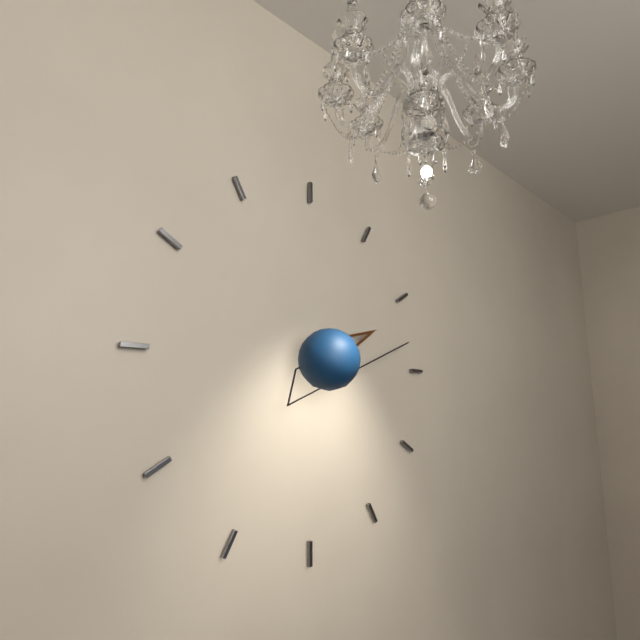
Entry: 2 h 13 min
